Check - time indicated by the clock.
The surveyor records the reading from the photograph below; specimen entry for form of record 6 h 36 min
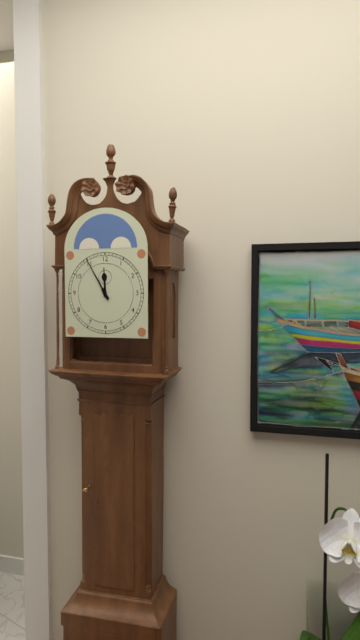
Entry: 11 h 55 min
